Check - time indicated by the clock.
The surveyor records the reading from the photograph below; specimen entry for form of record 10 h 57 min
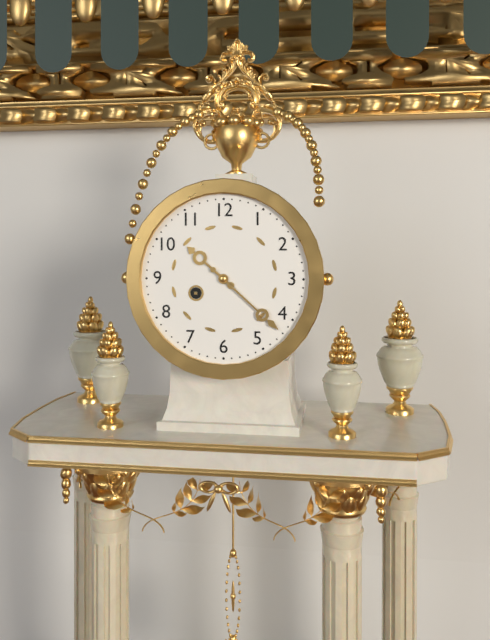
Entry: 10 h 22 min
